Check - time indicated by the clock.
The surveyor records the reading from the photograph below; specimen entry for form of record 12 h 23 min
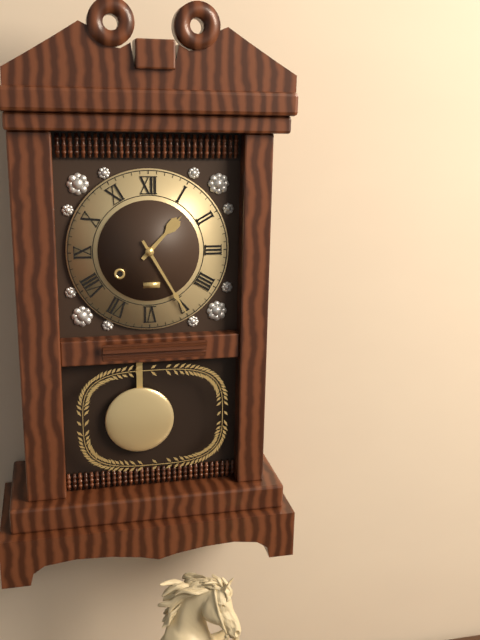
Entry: 1 h 25 min
